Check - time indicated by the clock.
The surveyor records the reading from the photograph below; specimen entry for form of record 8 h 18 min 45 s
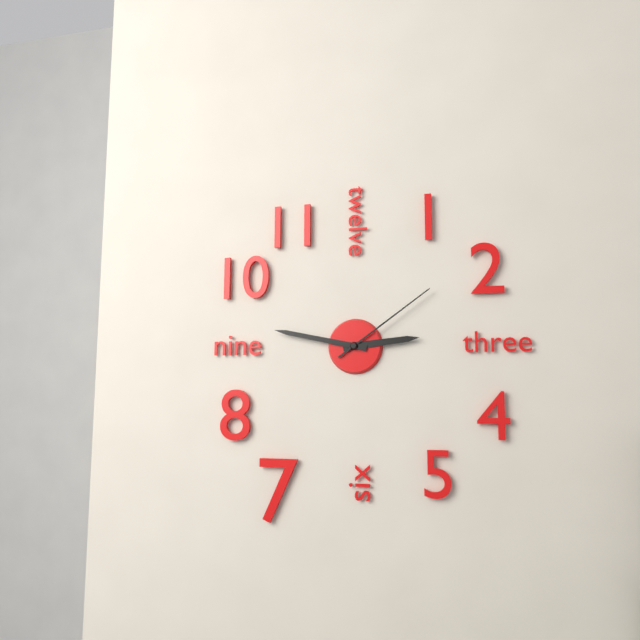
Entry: 2 h 47 min 09 s
